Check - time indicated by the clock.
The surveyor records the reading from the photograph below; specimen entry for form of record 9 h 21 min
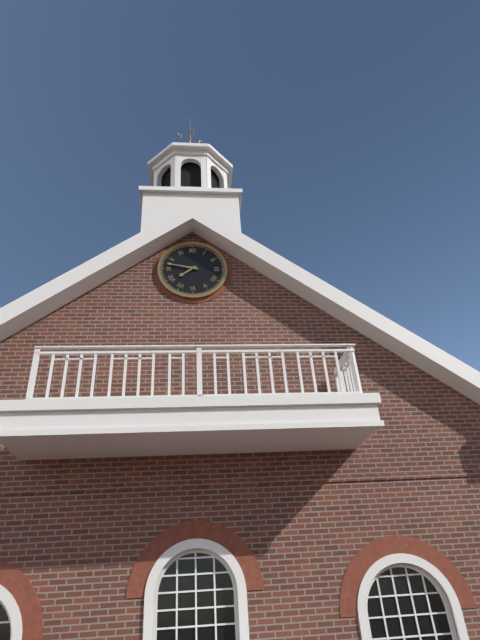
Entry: 7 h 47 min
